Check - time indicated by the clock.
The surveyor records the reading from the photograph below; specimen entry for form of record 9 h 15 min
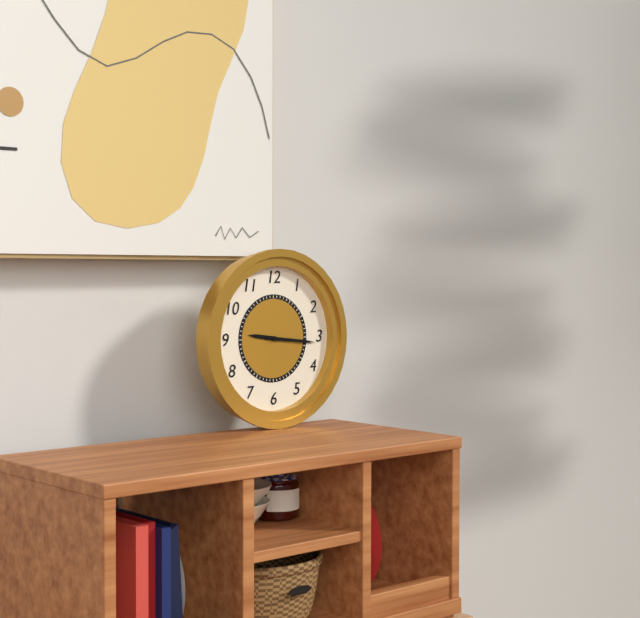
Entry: 9 h 16 min
